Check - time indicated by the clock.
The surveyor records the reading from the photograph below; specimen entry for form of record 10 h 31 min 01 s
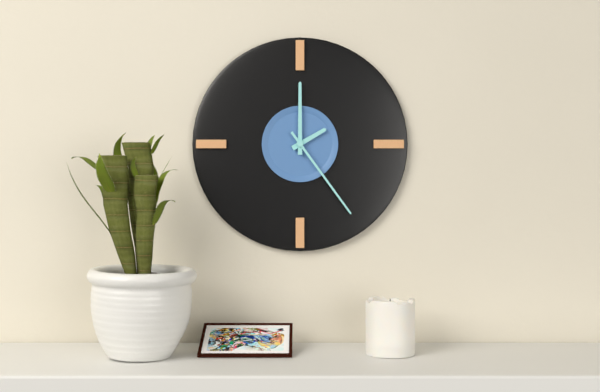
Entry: 2 h 00 min 24 s
